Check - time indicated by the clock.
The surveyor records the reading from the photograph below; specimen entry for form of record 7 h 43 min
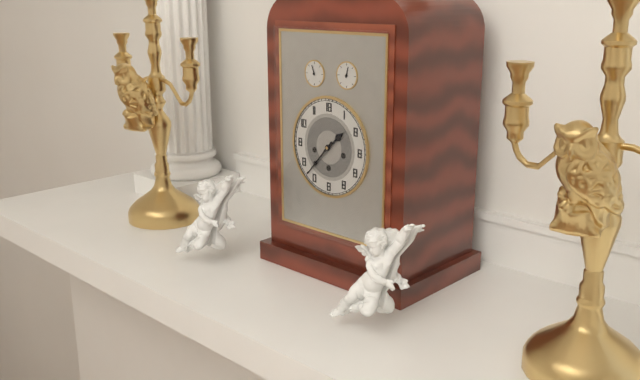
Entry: 1 h 37 min
